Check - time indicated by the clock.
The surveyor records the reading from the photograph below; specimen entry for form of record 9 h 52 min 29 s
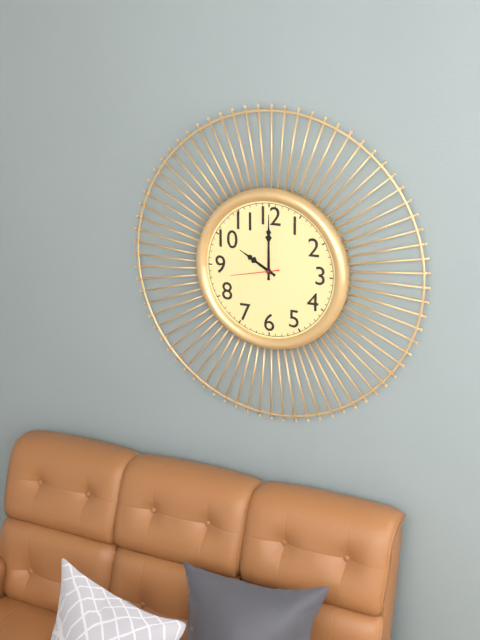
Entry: 10 h 00 min 43 s
